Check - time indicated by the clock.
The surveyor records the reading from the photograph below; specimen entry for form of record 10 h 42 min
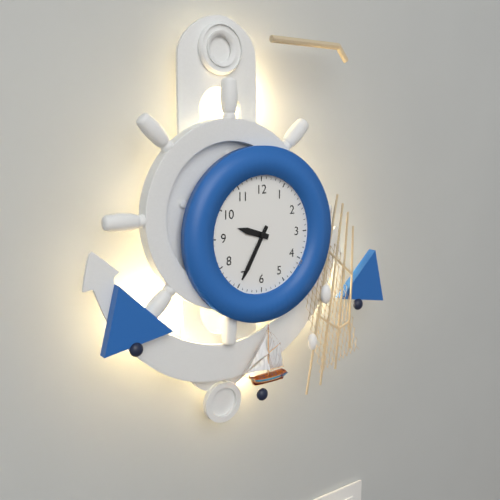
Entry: 9 h 35 min
